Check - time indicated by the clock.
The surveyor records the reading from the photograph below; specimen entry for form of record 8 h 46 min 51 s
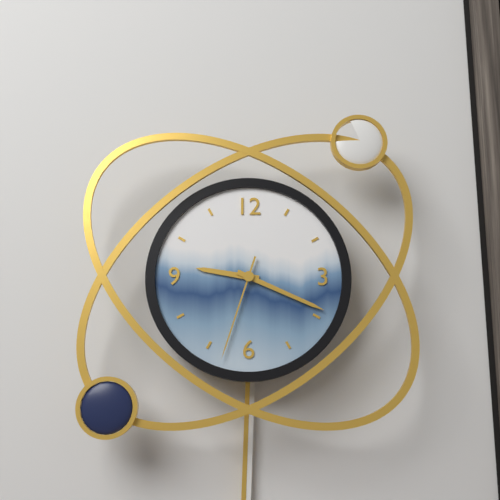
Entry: 9 h 19 min 33 s
